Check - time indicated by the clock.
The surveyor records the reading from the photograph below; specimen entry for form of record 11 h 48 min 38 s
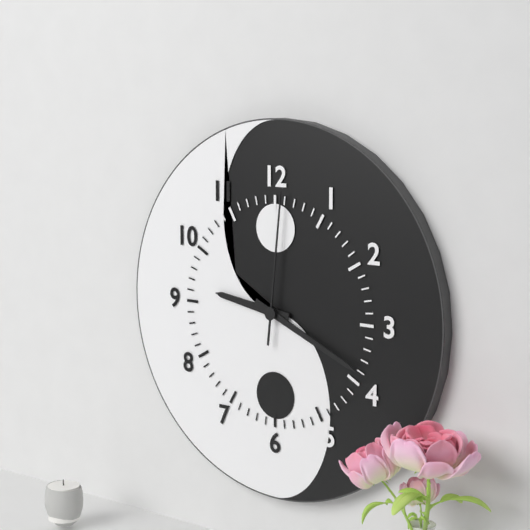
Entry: 9 h 19 min 01 s
